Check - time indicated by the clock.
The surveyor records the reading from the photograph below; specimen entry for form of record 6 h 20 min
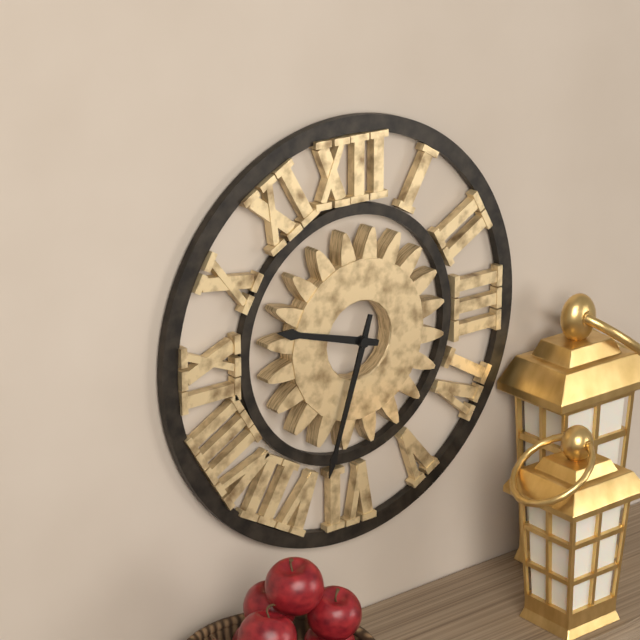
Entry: 9 h 33 min
